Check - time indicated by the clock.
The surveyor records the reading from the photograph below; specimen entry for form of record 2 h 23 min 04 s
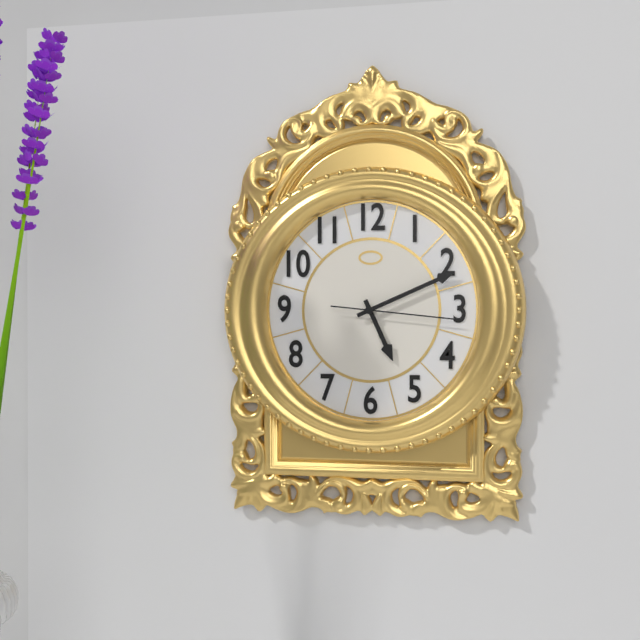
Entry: 5 h 11 min 16 s
